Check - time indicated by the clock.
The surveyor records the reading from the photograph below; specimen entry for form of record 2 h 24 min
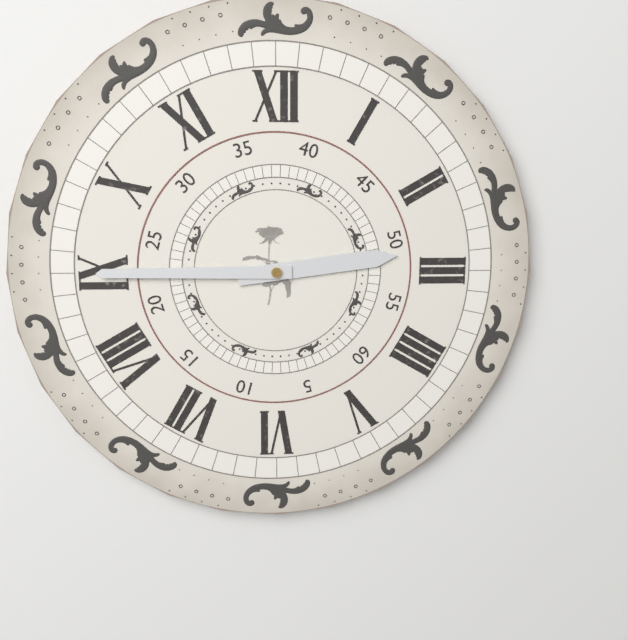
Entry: 2 h 45 min
